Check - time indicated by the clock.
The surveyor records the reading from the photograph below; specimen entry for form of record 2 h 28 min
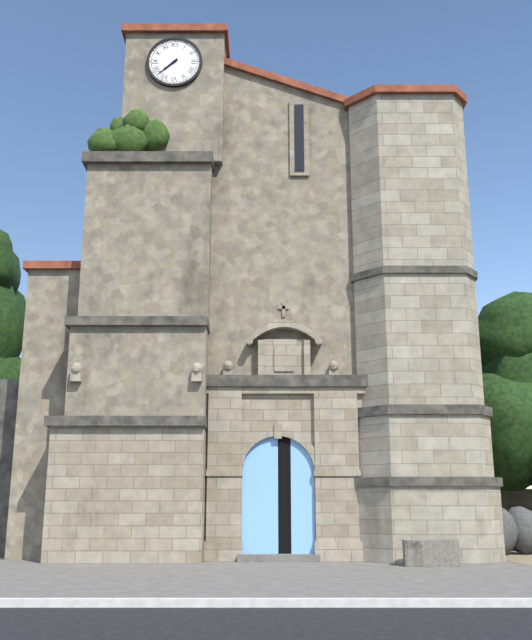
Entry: 7 h 38 min
